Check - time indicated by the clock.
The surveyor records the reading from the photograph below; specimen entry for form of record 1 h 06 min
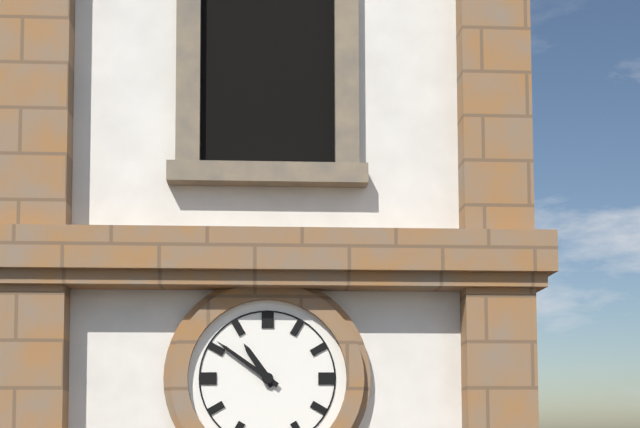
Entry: 10 h 51 min
